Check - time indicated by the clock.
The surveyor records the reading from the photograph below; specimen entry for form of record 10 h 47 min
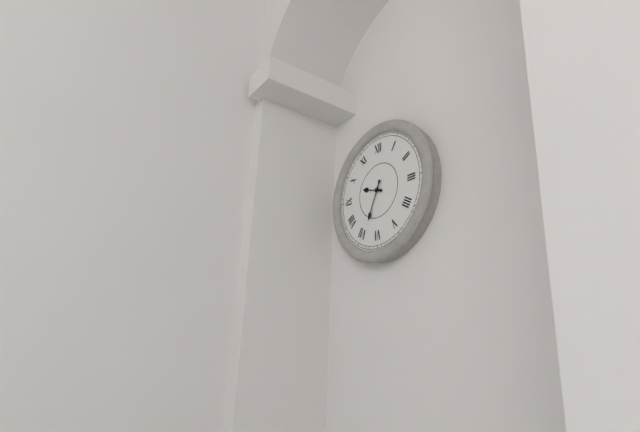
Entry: 9 h 34 min
